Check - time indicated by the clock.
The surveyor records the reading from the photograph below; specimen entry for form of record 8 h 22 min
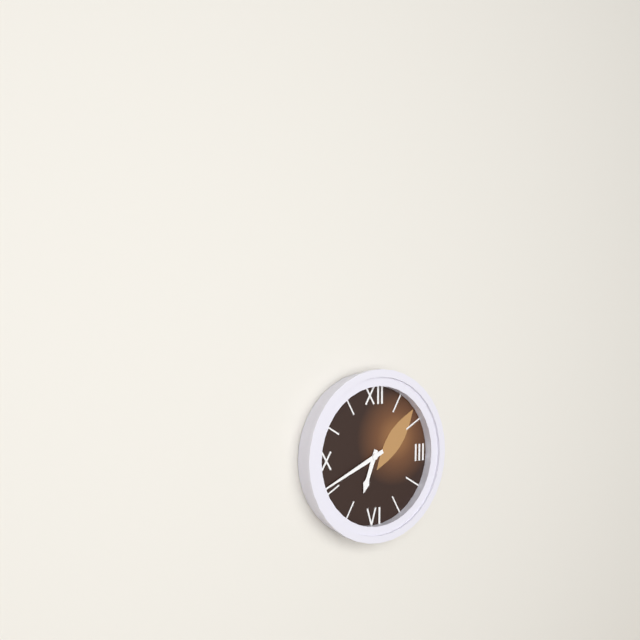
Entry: 6 h 41 min
